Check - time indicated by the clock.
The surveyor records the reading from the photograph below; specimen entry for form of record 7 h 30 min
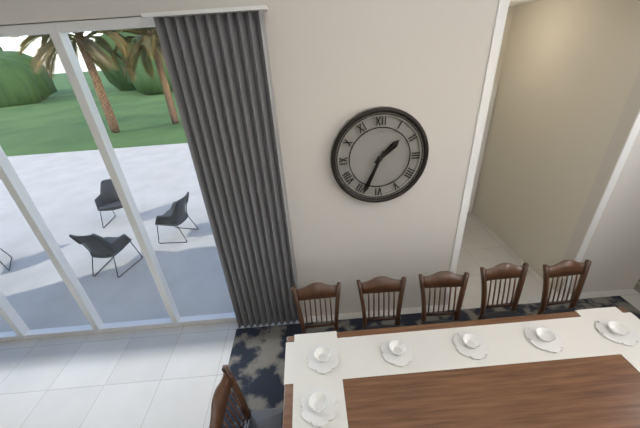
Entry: 1 h 34 min
